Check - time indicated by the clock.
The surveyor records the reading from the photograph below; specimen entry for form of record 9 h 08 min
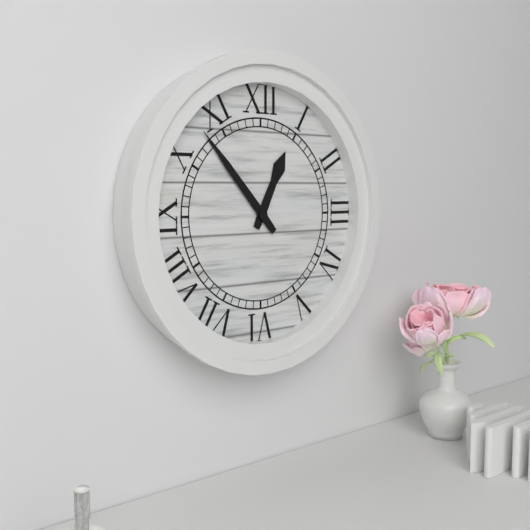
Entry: 12 h 53 min
